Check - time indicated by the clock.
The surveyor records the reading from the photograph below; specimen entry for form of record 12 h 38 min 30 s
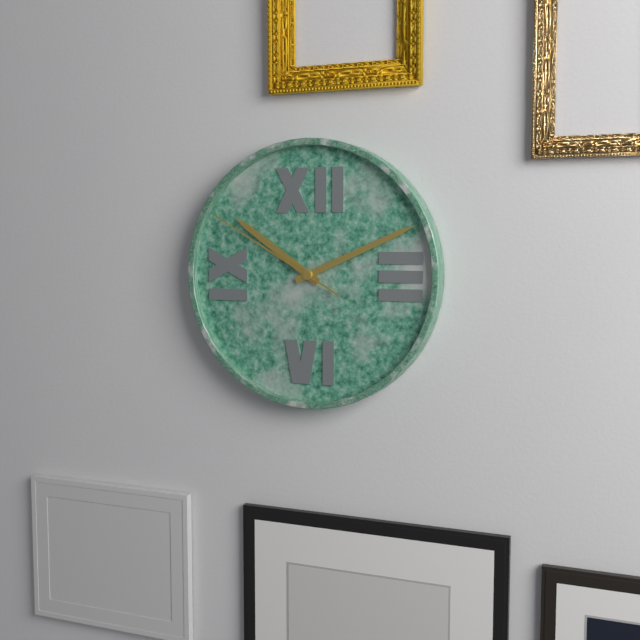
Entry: 10 h 11 min 50 s
